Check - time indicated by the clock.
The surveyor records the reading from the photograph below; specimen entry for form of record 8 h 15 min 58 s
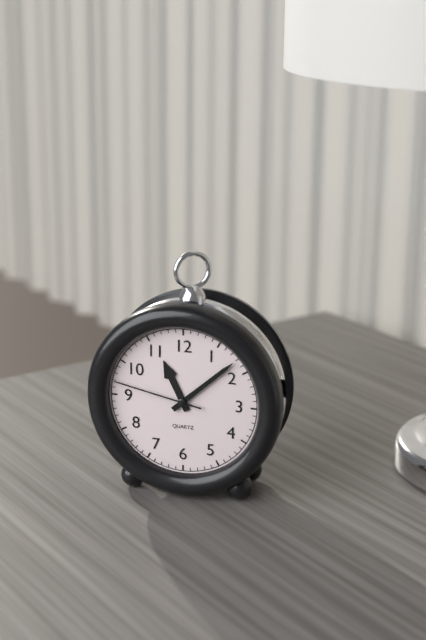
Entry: 11 h 08 min 47 s
